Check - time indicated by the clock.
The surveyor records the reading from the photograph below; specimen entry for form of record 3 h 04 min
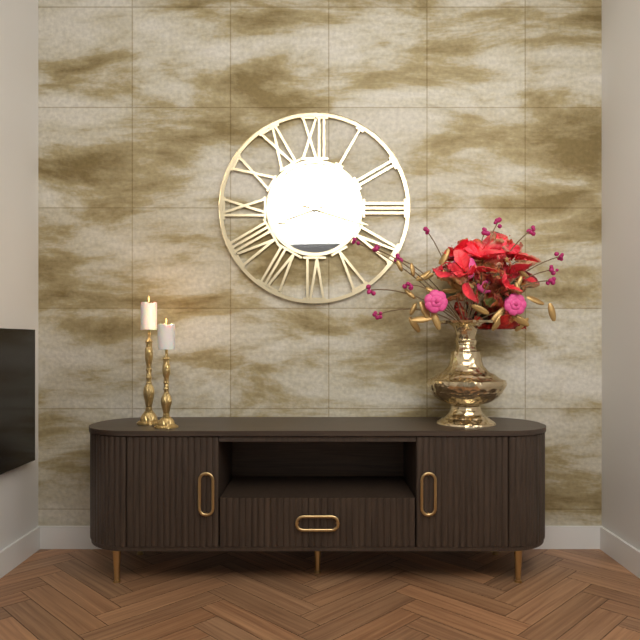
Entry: 8 h 18 min
